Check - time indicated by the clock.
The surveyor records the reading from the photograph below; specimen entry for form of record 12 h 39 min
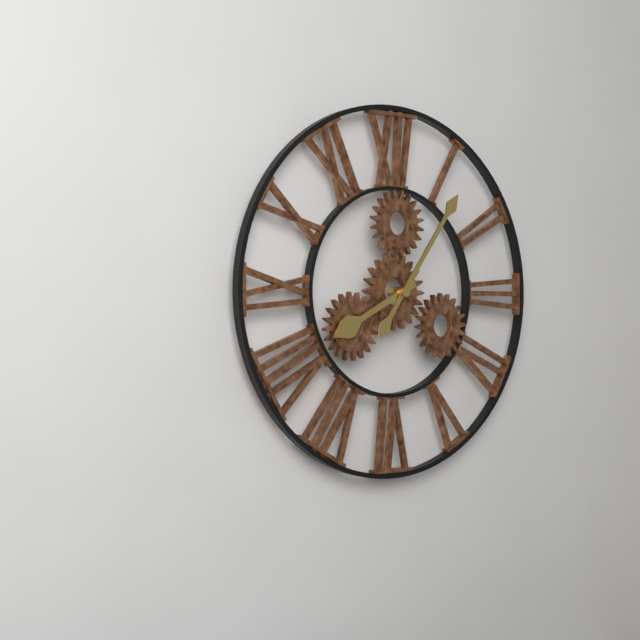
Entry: 8 h 06 min
